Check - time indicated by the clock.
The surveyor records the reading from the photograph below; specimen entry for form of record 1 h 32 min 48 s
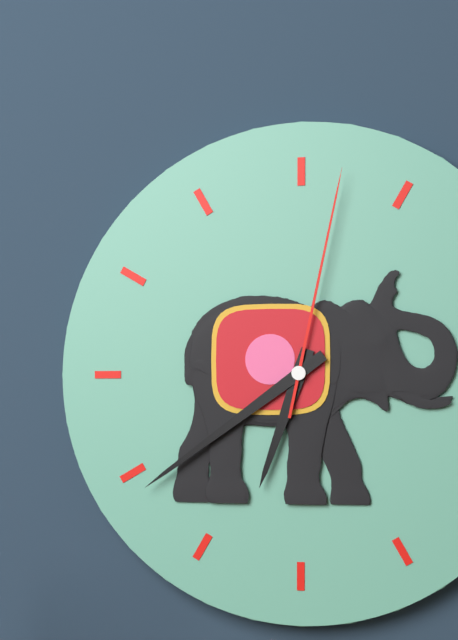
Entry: 6 h 39 min 02 s
